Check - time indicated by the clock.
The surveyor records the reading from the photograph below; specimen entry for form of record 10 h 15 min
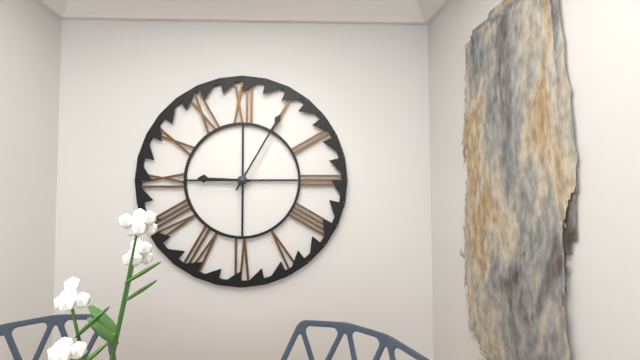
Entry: 9 h 05 min
